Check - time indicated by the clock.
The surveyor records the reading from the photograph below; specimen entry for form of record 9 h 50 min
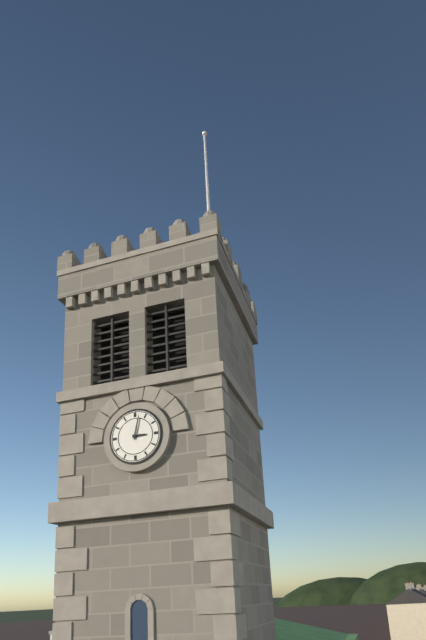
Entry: 3 h 02 min
